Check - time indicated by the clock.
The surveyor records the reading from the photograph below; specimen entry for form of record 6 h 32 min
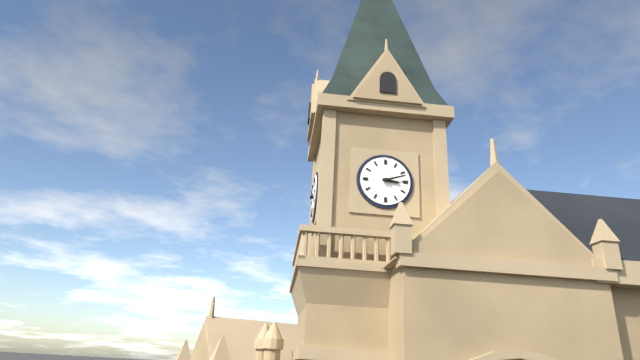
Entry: 3 h 12 min
